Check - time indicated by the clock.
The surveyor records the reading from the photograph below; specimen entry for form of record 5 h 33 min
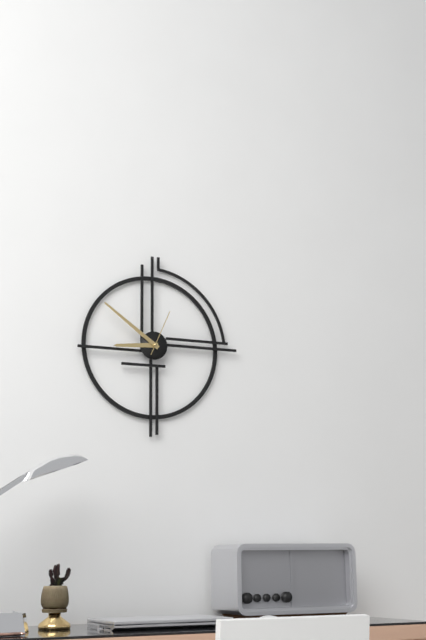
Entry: 8 h 51 min
